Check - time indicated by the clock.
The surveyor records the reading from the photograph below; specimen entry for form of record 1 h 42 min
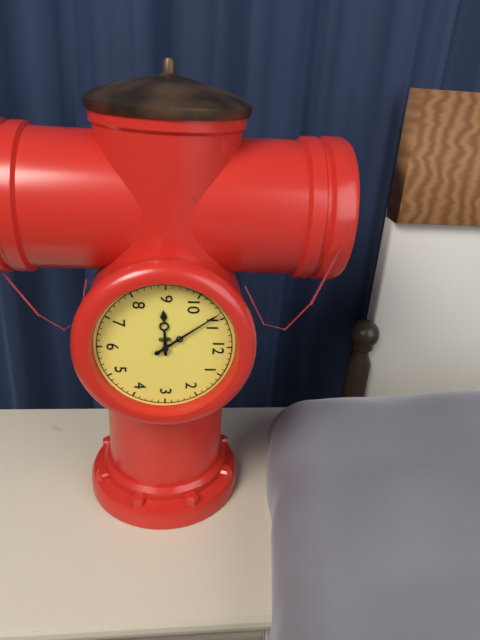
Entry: 8 h 54 min
